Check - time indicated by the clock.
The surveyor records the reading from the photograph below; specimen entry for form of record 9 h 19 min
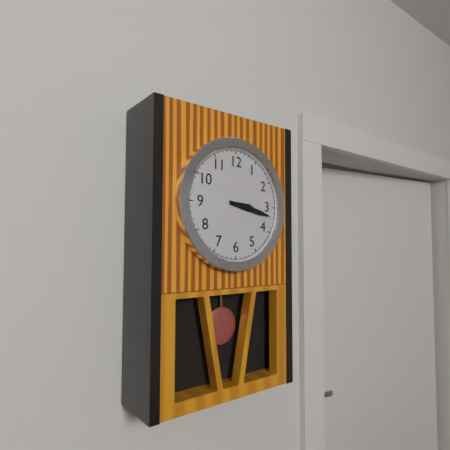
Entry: 3 h 17 min
